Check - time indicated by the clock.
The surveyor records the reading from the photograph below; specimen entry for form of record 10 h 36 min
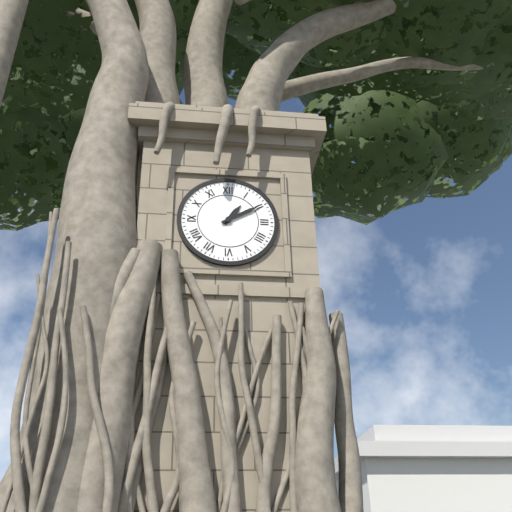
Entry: 1 h 10 min
